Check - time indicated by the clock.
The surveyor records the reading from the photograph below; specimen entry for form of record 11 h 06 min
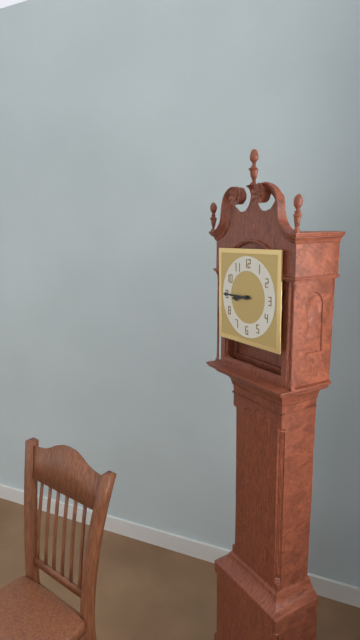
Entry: 8 h 45 min
